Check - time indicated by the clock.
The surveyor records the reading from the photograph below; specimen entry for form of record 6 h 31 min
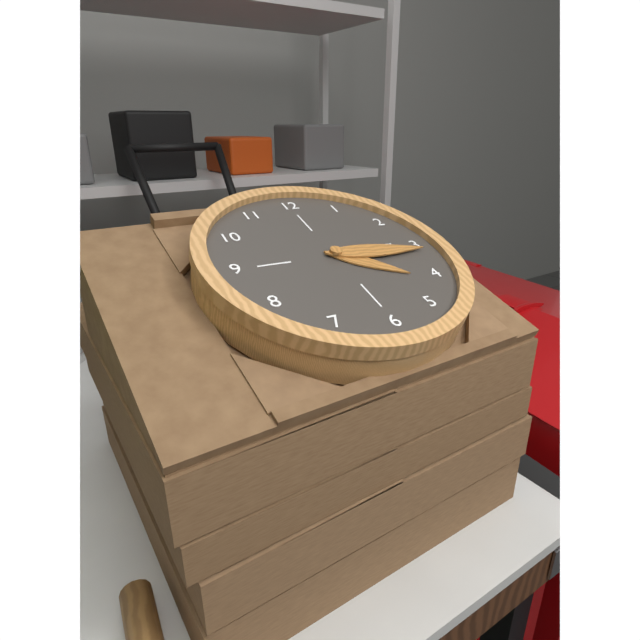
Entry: 4 h 16 min
